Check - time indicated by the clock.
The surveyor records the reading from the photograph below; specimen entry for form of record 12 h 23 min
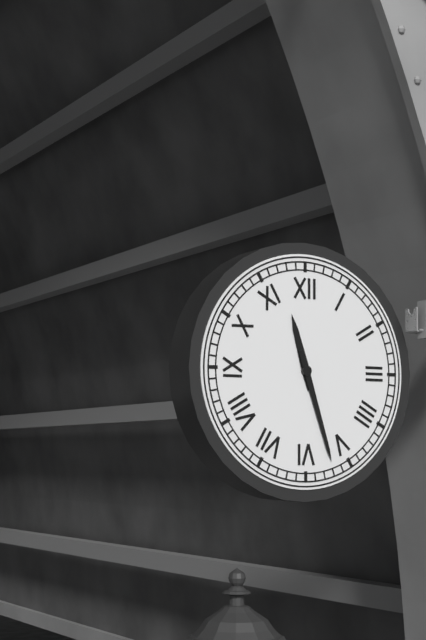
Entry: 11 h 27 min
